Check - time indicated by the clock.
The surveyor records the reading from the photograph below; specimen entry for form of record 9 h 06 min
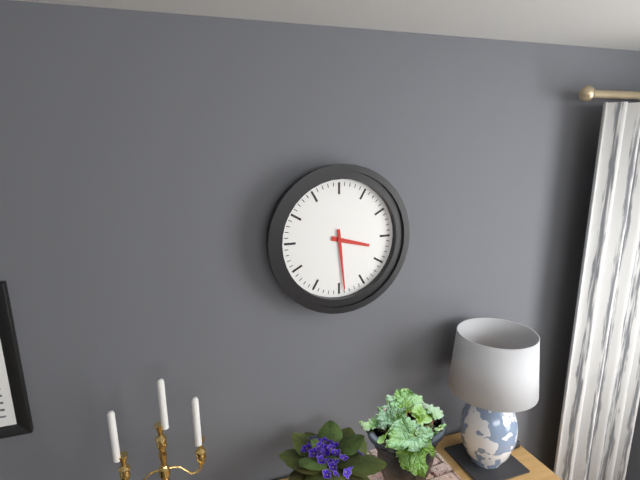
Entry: 3 h 29 min
